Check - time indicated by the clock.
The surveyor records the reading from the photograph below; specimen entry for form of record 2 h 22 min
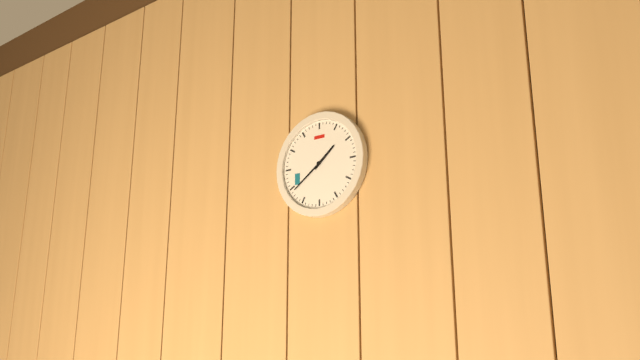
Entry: 1 h 39 min
